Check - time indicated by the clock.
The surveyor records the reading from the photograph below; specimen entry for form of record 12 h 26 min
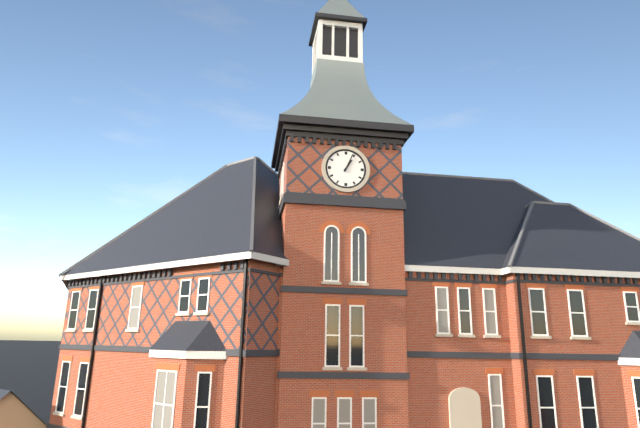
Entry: 1 h 04 min
